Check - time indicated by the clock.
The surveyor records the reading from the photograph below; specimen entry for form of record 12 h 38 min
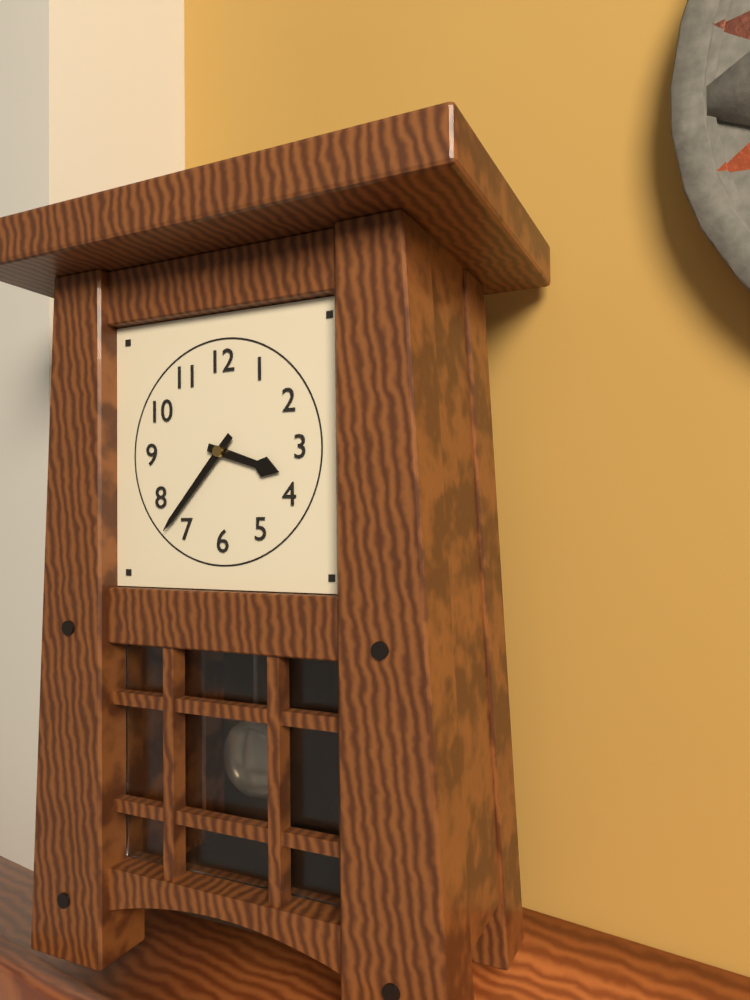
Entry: 3 h 37 min
